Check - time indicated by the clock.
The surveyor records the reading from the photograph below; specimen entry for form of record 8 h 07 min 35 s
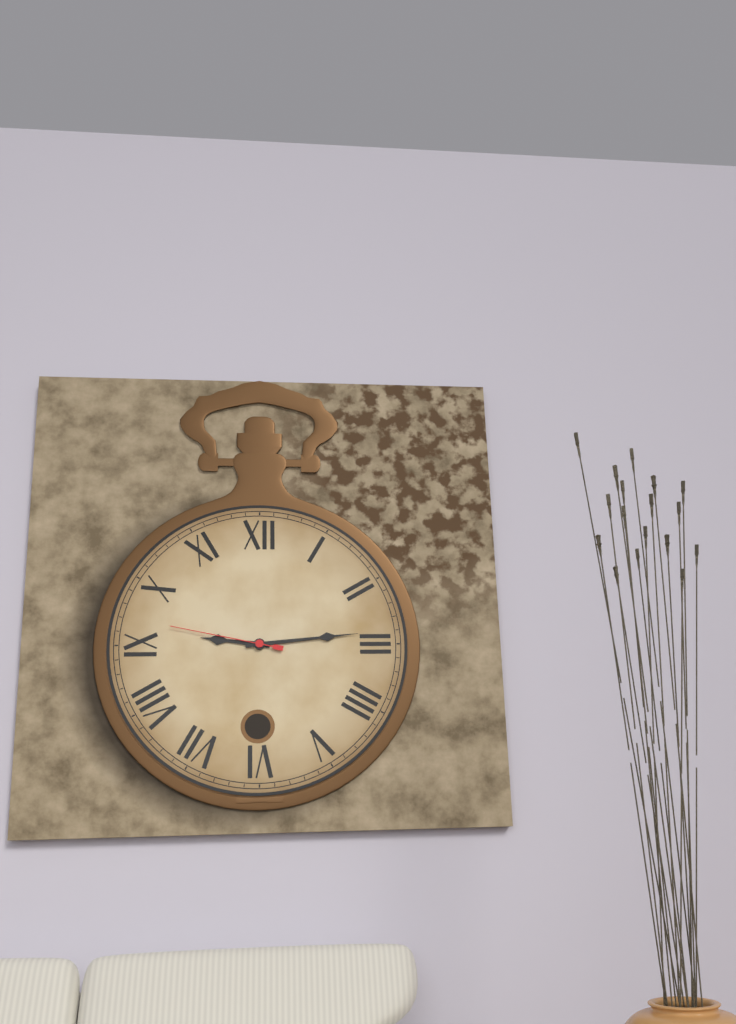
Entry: 9 h 14 min 47 s
